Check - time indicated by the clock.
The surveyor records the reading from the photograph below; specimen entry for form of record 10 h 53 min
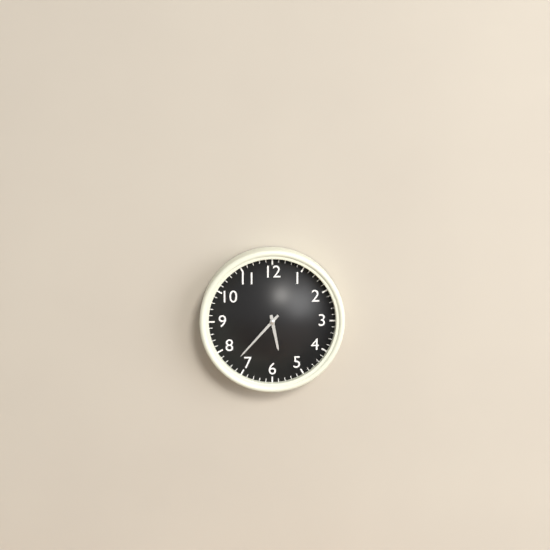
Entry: 5 h 37 min
